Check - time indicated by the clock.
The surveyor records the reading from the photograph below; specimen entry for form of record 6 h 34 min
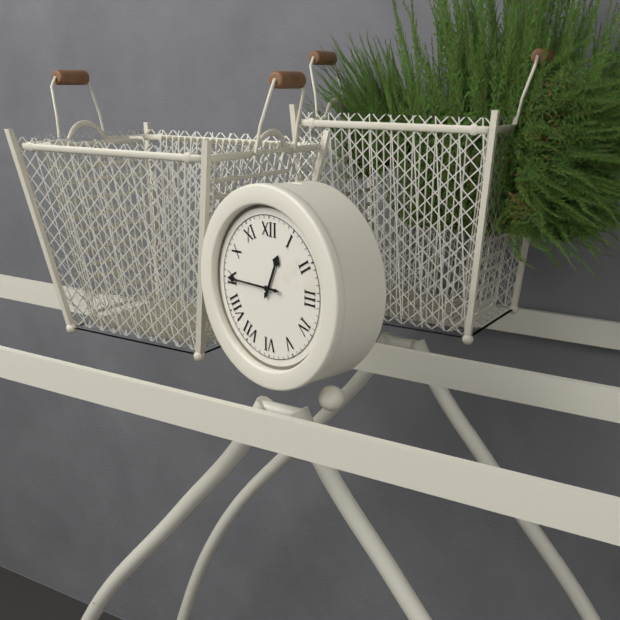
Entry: 12 h 45 min
